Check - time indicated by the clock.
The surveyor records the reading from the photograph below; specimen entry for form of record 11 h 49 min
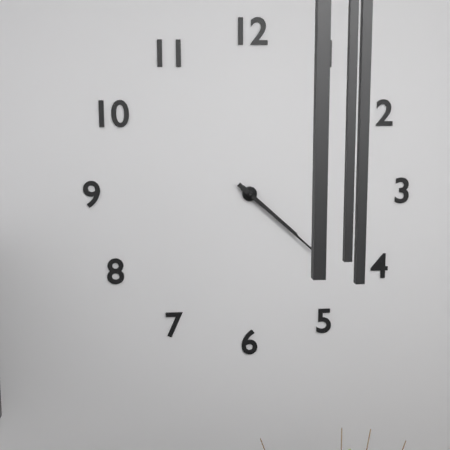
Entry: 4 h 22 min
